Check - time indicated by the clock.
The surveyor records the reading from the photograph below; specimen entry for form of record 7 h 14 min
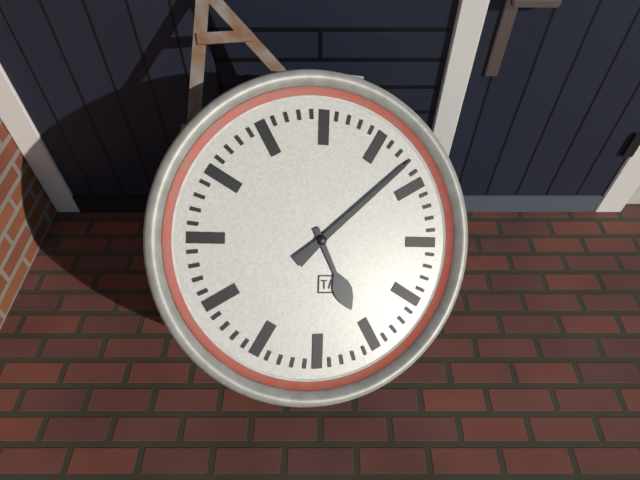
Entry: 5 h 08 min
